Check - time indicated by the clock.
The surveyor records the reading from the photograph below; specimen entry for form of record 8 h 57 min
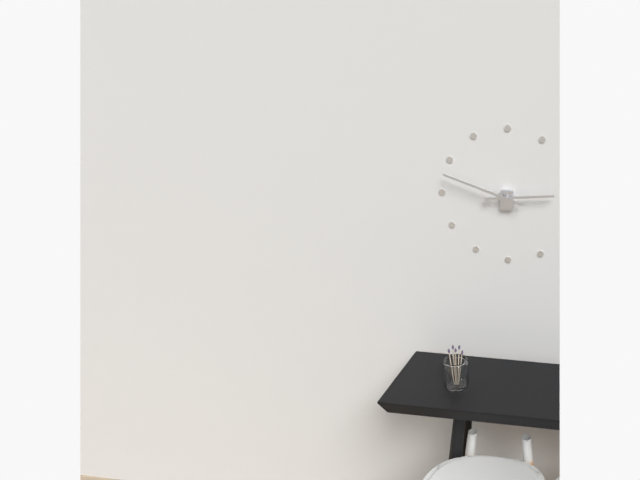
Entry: 2 h 48 min
